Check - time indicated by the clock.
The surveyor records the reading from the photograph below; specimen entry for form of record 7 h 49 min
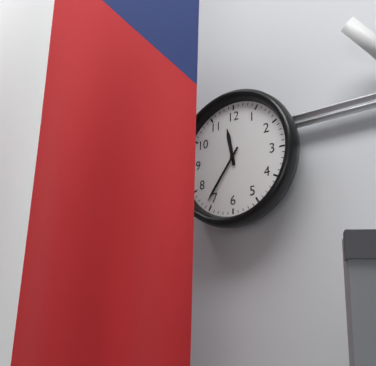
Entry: 11 h 36 min
